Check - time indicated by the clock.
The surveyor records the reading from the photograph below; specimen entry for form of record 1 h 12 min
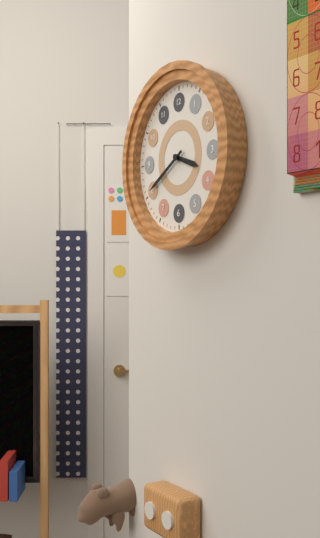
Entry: 3 h 40 min
